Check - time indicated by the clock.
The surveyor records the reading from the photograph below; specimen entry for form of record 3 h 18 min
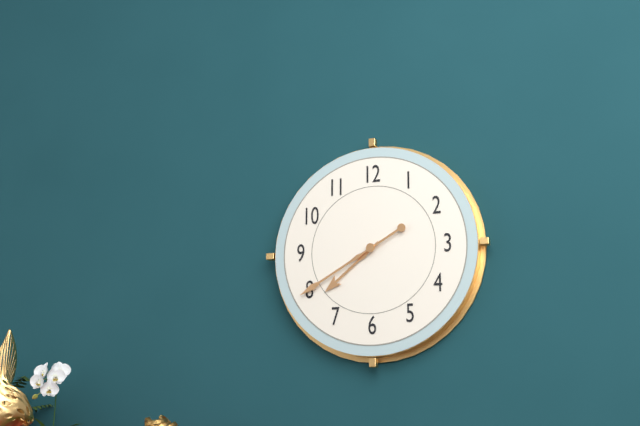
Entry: 7 h 40 min
